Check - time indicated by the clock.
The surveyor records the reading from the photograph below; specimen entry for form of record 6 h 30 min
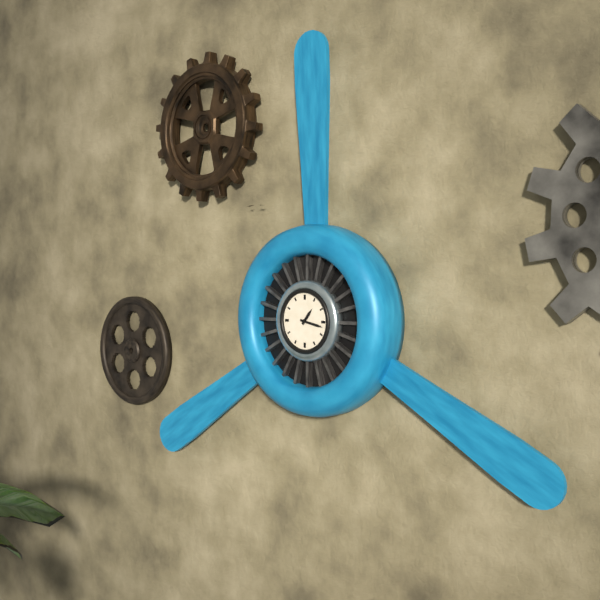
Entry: 1 h 17 min
